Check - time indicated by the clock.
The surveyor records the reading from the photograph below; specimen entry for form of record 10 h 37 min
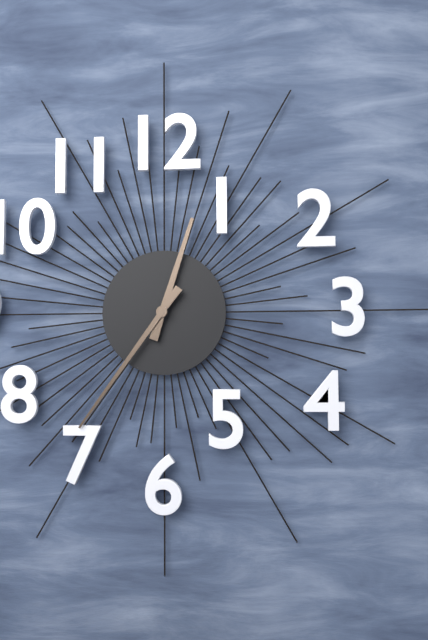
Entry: 12 h 36 min
